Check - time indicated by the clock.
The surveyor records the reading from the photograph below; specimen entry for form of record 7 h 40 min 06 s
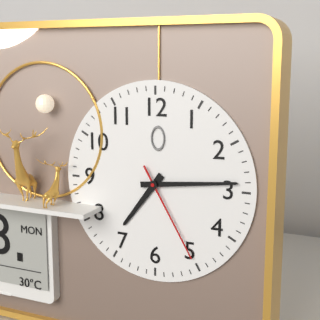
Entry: 7 h 14 min 25 s
